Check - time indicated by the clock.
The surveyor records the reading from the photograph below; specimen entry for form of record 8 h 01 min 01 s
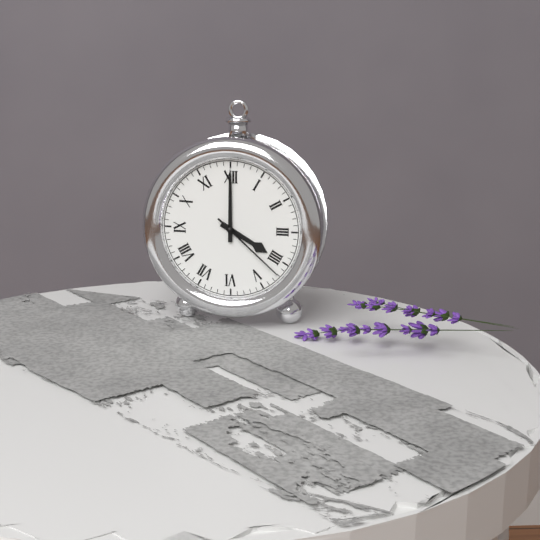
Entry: 4 h 00 min 22 s
